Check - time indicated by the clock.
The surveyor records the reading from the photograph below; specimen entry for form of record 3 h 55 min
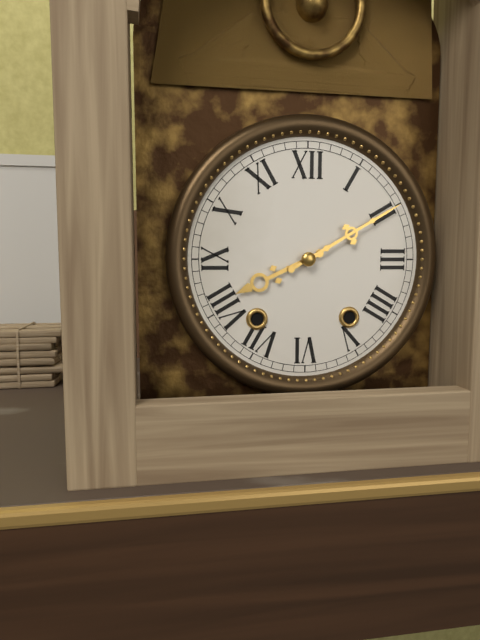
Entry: 8 h 10 min
